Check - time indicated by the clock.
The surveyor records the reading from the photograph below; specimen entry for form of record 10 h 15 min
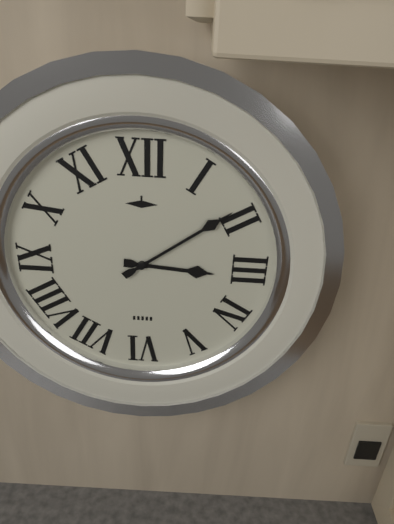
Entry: 3 h 09 min
